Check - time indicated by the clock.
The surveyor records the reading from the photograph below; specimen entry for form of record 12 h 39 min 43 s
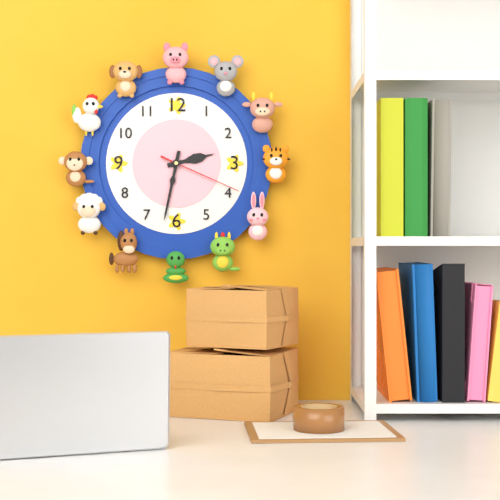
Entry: 2 h 32 min 19 s
